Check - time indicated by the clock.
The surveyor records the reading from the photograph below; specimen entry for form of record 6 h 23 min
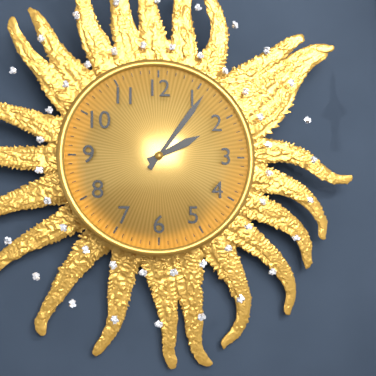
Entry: 2 h 06 min
